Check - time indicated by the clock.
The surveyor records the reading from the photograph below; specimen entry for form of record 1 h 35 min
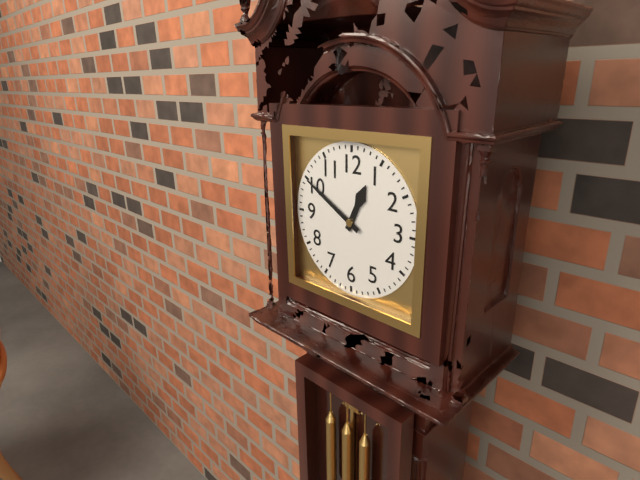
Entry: 12 h 50 min
